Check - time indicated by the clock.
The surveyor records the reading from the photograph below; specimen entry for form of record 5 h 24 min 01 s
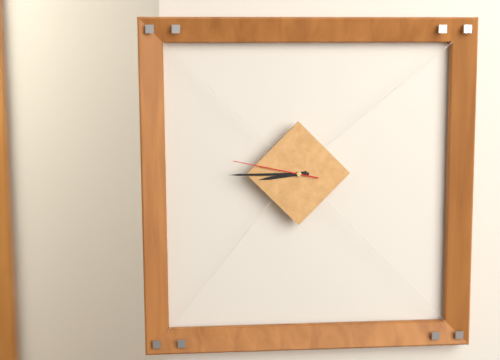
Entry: 8 h 45 min 47 s
